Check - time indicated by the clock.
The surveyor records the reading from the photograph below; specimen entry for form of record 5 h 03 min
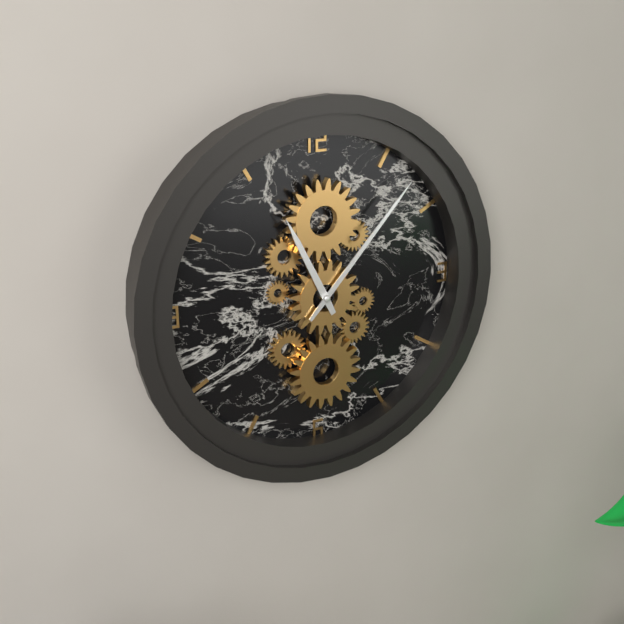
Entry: 11 h 07 min
